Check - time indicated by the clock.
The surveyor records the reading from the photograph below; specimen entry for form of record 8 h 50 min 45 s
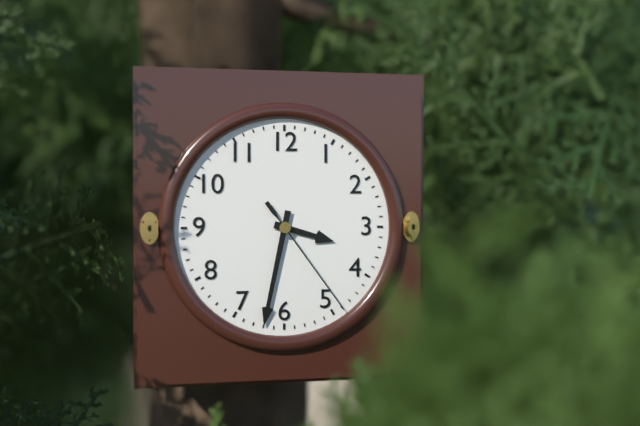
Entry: 3 h 32 min 24 s
